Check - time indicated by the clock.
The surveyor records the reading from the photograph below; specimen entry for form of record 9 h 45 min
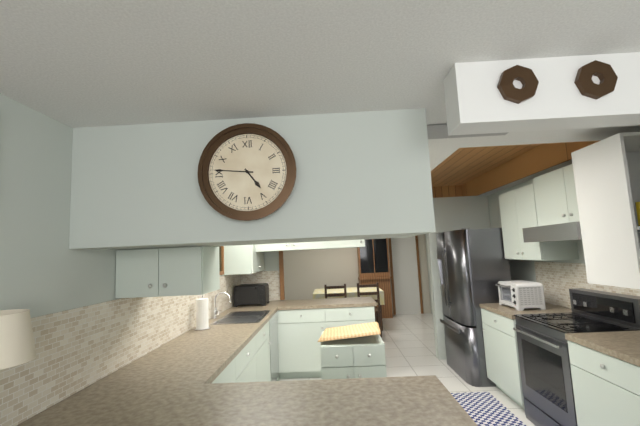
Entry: 4 h 46 min
